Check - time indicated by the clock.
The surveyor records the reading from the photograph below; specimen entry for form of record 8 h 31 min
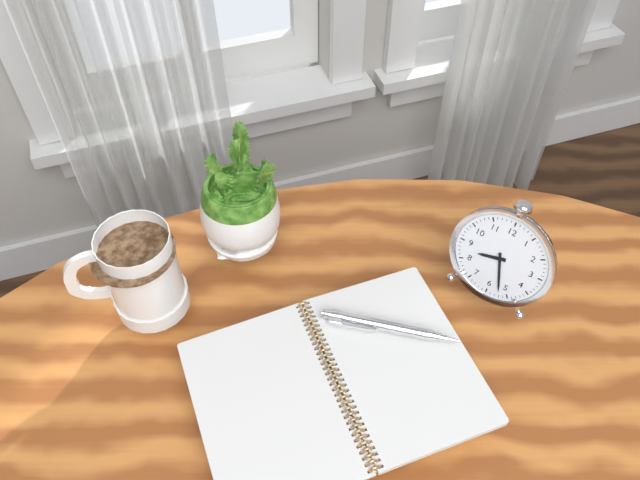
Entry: 8 h 27 min
